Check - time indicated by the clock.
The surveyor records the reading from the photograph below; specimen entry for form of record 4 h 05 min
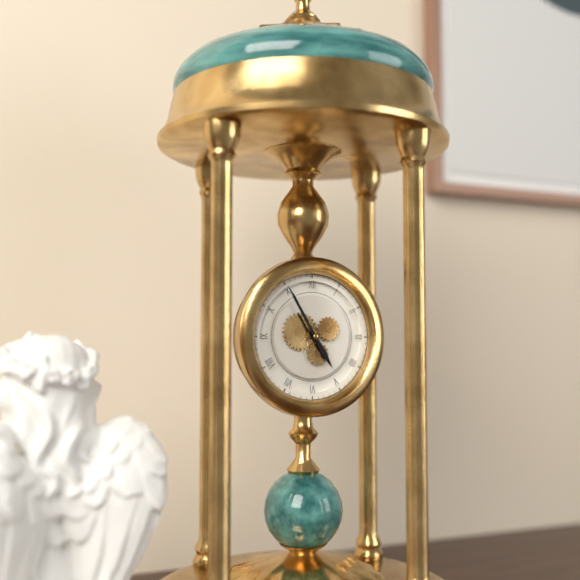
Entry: 4 h 55 min
